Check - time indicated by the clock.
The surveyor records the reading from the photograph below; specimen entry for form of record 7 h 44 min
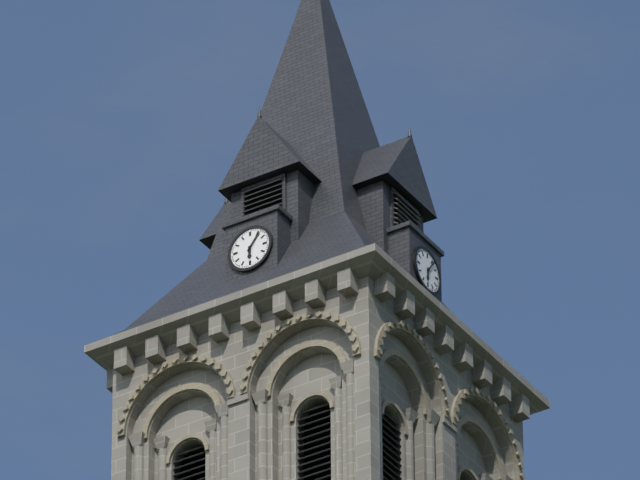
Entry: 6 h 06 min
